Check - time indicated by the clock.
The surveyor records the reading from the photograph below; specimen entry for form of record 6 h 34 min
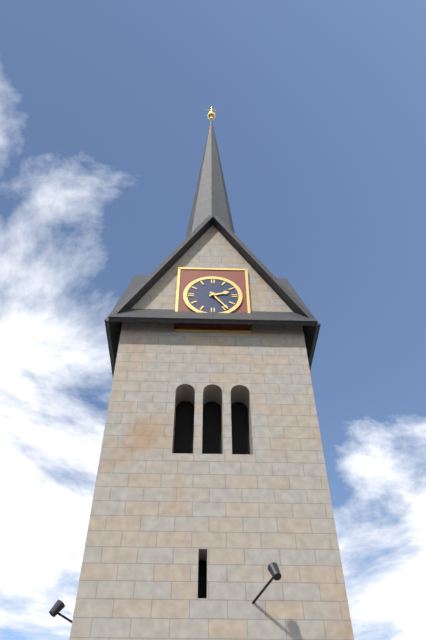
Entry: 2 h 24 min
